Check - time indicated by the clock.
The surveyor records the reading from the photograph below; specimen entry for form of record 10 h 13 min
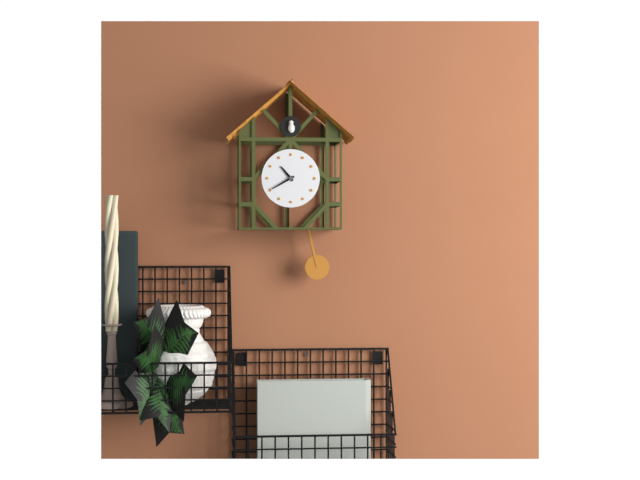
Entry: 10 h 40 min
